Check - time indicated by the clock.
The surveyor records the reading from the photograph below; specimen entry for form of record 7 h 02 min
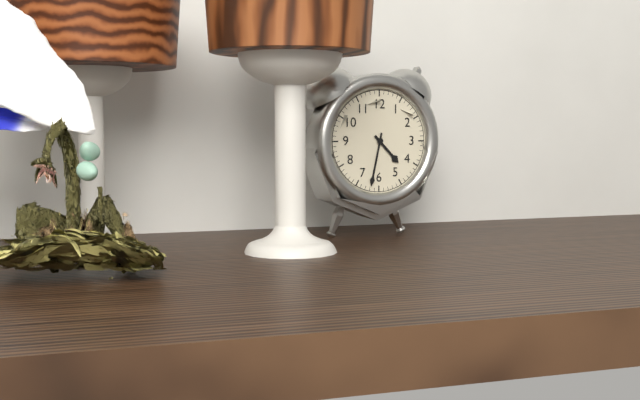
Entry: 4 h 32 min
